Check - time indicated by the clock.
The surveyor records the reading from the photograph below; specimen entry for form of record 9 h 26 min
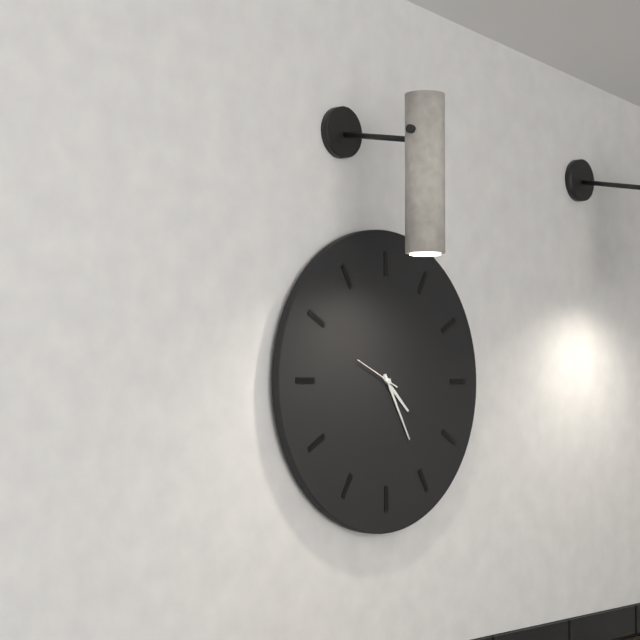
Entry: 4 h 25 min
